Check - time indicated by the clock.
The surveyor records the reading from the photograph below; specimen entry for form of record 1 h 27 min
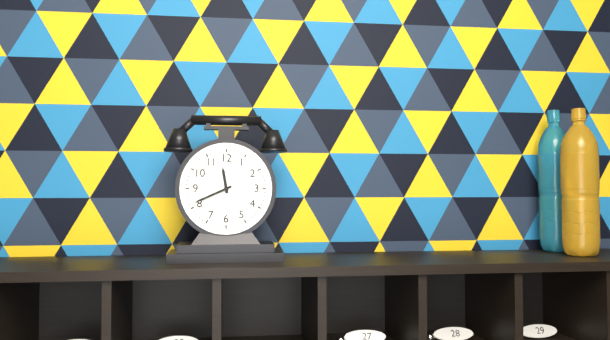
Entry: 11 h 41 min
